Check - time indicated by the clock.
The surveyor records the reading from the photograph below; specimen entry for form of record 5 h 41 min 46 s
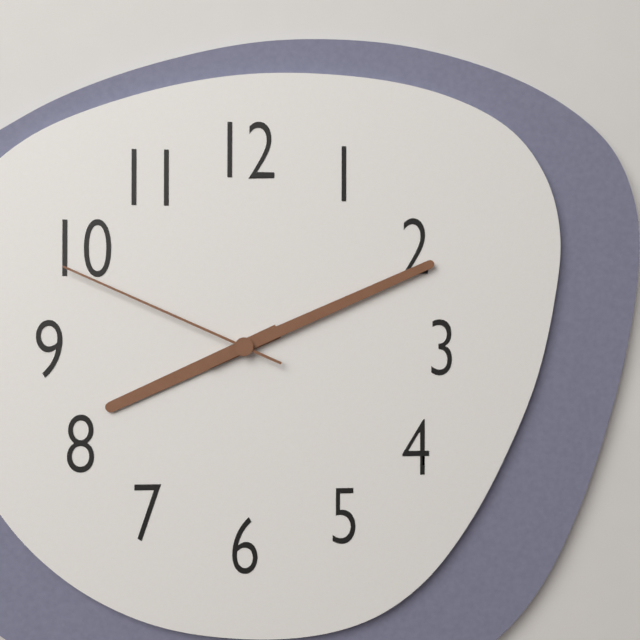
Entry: 8 h 11 min 49 s
